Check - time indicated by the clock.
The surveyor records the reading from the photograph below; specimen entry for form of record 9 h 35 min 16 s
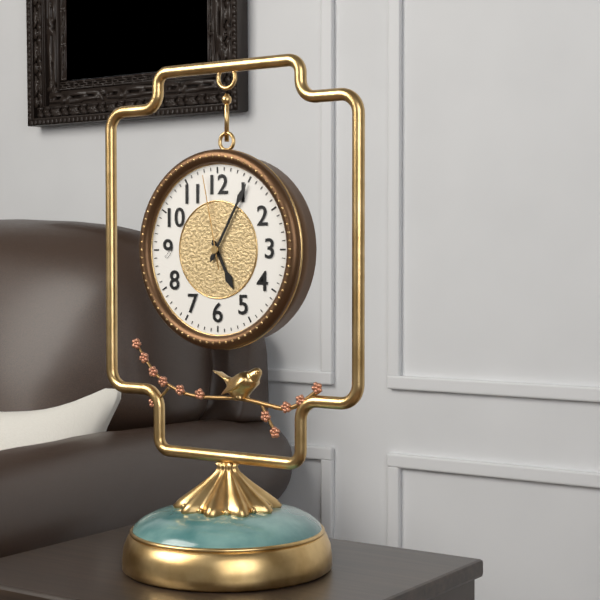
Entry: 5 h 05 min 58 s
